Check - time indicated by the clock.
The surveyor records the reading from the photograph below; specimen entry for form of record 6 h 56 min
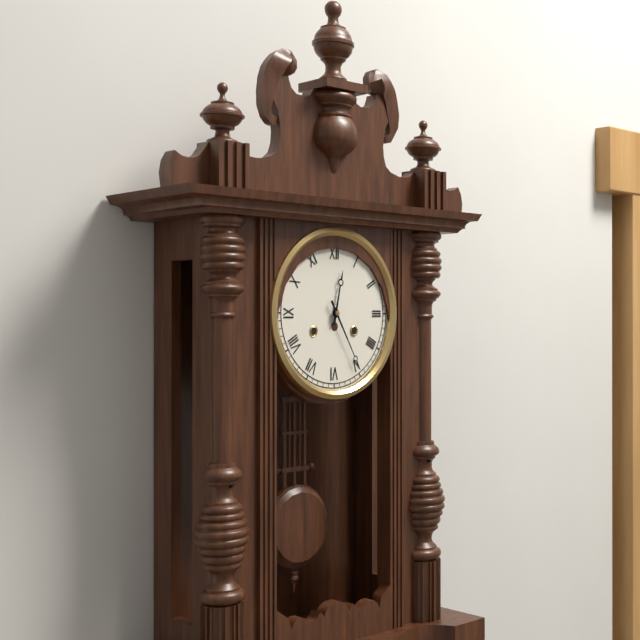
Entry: 12 h 25 min
